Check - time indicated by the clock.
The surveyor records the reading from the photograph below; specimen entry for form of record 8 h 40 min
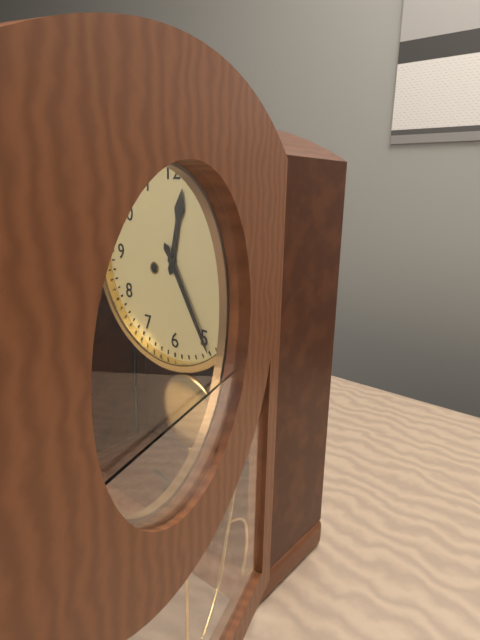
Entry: 12 h 25 min
